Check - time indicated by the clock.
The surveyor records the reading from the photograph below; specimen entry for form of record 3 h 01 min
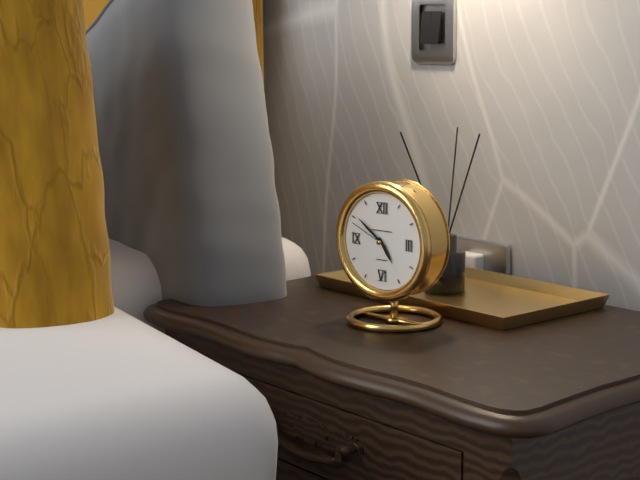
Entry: 4 h 51 min
